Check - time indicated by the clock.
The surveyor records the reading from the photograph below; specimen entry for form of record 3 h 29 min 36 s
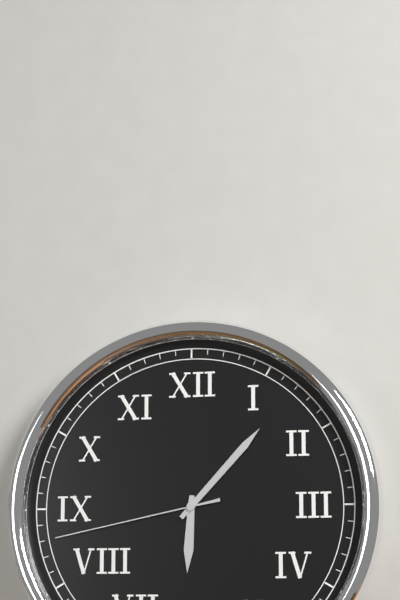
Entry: 6 h 07 min 43 s
